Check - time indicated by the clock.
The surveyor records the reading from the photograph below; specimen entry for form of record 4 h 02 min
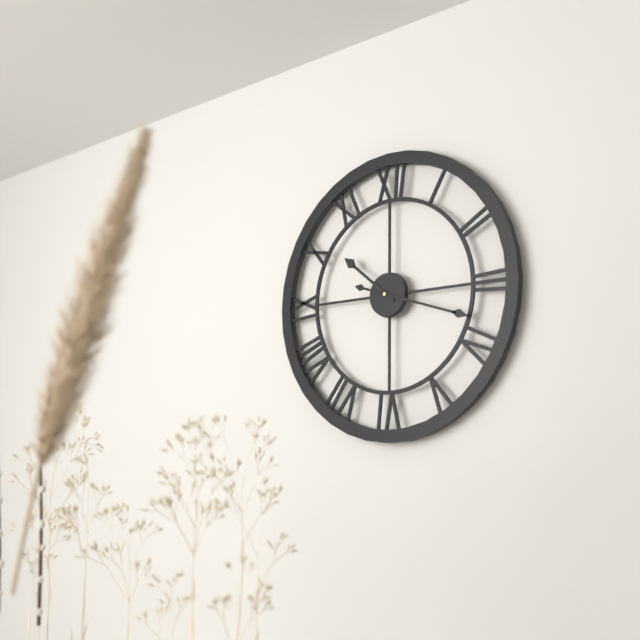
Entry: 10 h 18 min
